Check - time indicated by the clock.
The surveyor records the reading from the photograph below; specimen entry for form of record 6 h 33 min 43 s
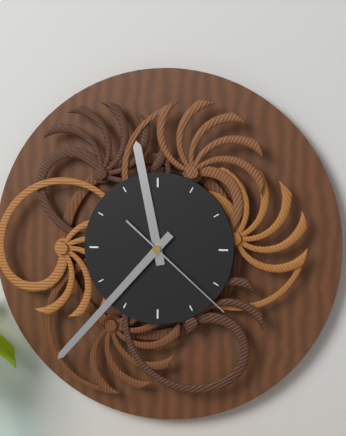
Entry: 11 h 37 min 22 s
